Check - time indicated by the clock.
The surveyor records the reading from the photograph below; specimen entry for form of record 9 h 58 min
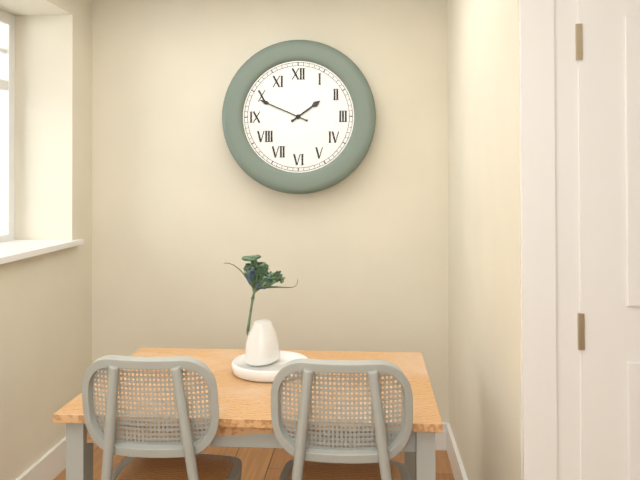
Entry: 1 h 49 min
